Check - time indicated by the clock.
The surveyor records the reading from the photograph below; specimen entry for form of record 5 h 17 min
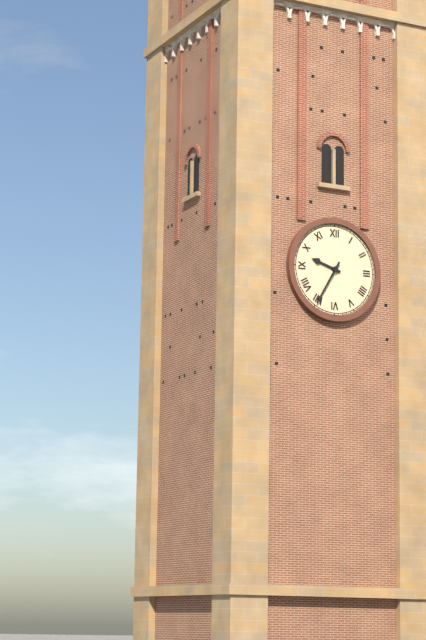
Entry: 9 h 35 min
